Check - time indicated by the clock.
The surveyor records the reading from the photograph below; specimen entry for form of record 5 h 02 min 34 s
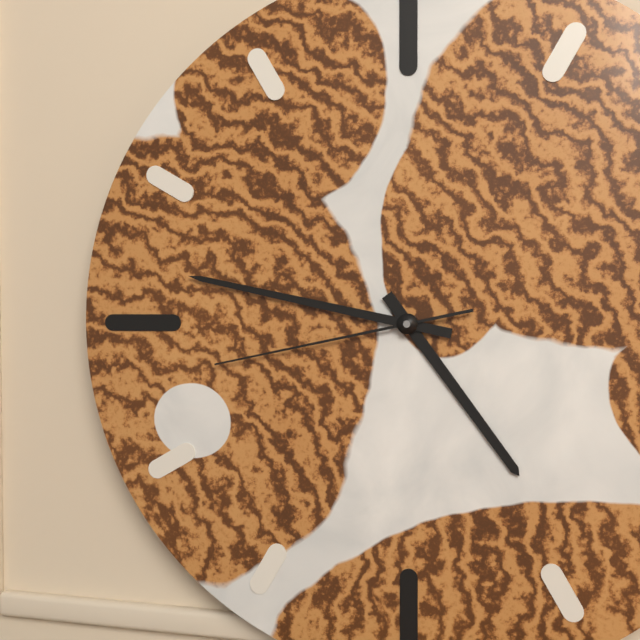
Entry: 4 h 47 min 43 s
